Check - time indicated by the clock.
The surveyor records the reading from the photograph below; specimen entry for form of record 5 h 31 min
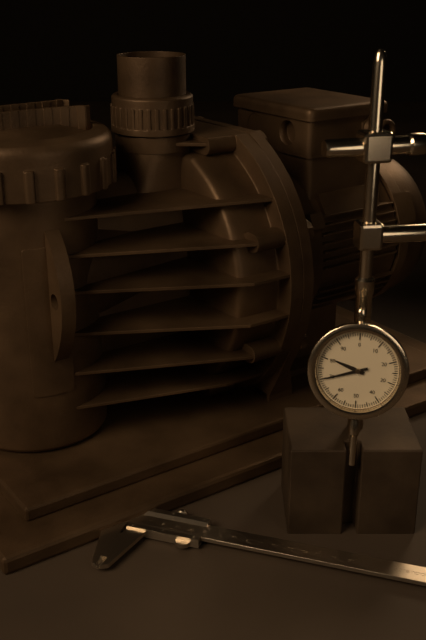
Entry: 9 h 42 min
